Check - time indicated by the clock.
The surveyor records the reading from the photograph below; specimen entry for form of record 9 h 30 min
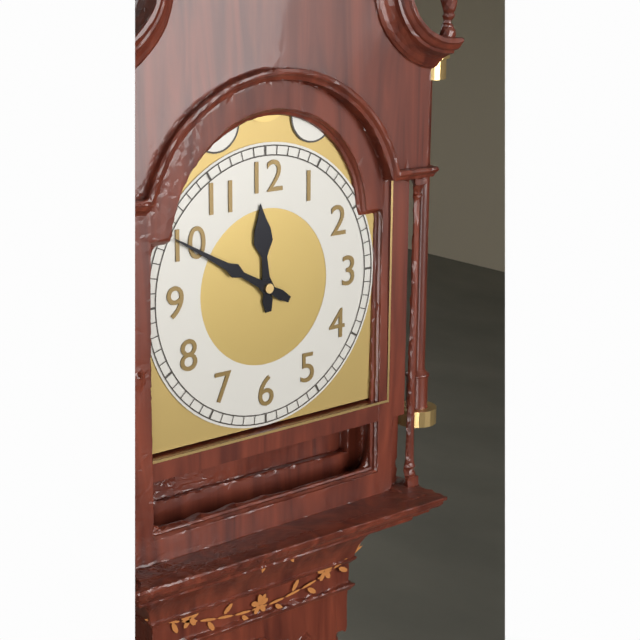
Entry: 11 h 50 min
